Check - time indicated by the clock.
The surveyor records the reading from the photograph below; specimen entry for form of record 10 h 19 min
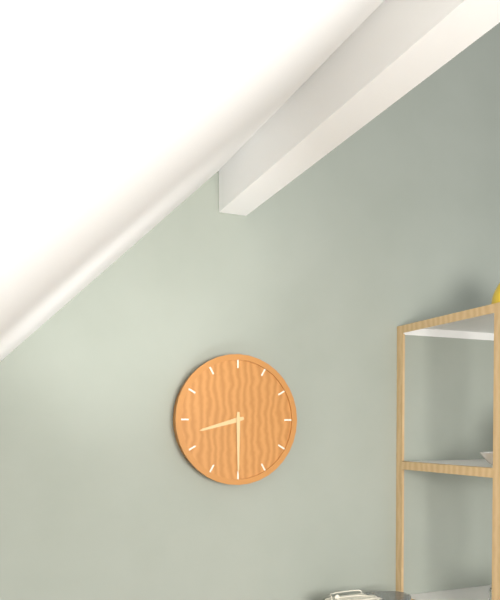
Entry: 8 h 30 min
